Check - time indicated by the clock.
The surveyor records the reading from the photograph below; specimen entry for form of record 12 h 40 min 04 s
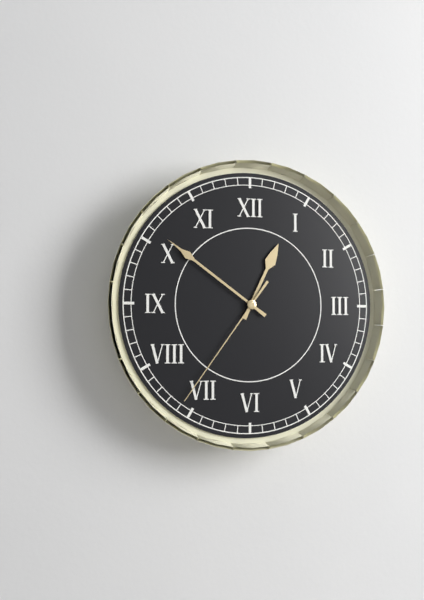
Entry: 12 h 51 min 36 s
